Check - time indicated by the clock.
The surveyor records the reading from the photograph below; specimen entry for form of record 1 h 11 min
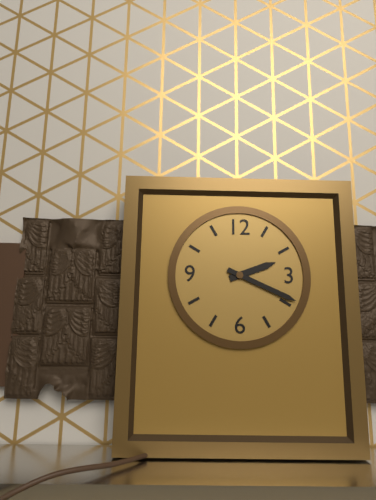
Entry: 2 h 19 min
